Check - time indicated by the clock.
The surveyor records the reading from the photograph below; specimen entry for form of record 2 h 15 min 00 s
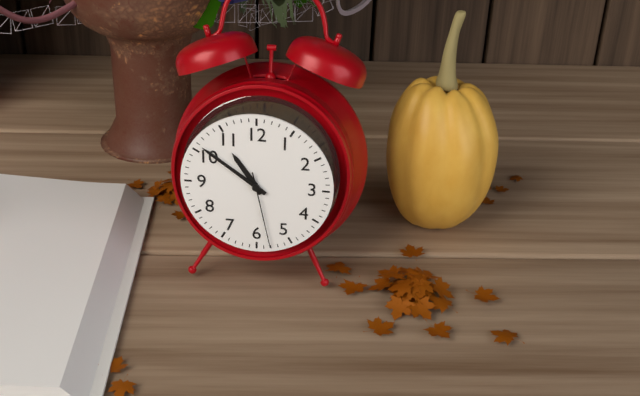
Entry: 10 h 51 min 28 s
